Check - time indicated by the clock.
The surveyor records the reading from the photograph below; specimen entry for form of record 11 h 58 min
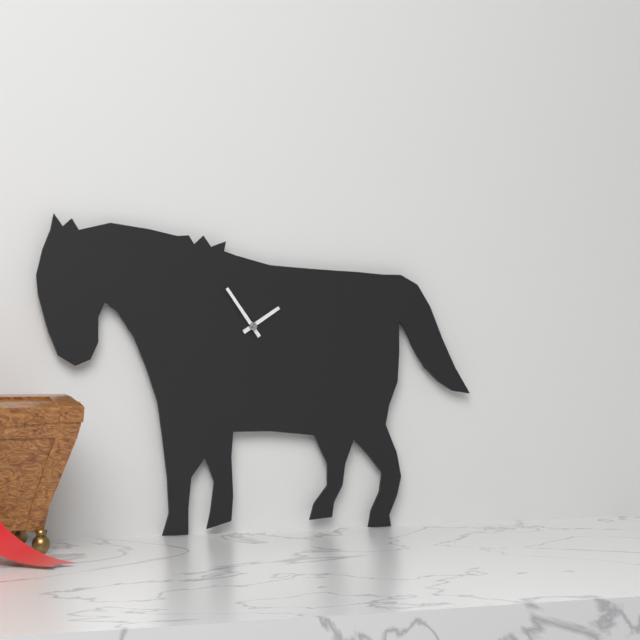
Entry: 1 h 54 min
